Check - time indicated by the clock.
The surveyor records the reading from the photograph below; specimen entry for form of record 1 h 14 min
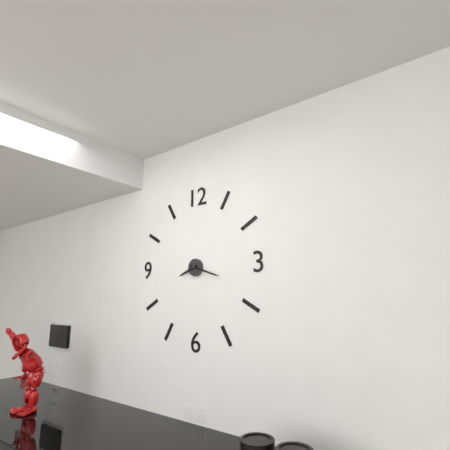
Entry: 8 h 18 min
